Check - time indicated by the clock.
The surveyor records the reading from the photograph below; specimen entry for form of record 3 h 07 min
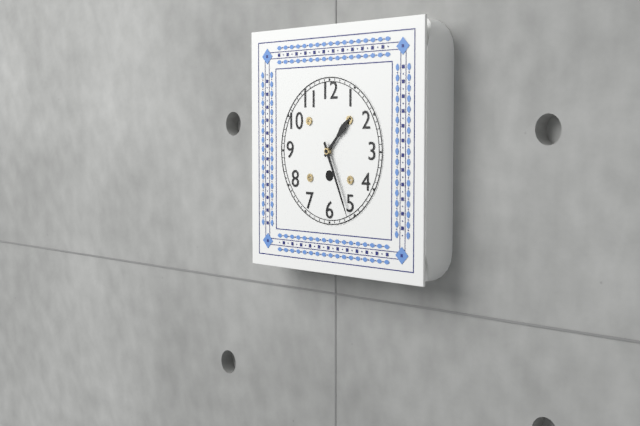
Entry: 1 h 26 min
